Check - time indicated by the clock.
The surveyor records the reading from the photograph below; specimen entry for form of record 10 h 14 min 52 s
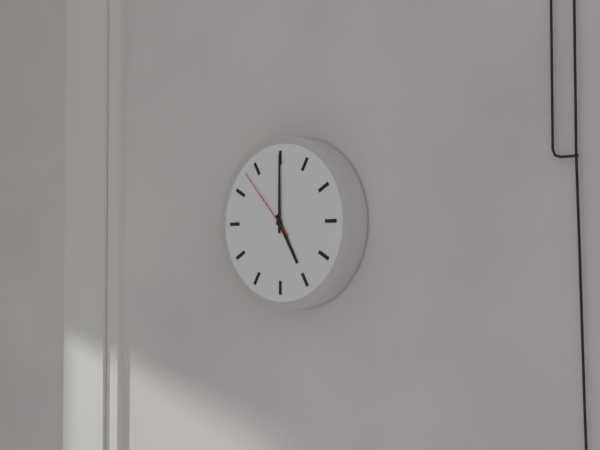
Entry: 5 h 00 min 53 s
